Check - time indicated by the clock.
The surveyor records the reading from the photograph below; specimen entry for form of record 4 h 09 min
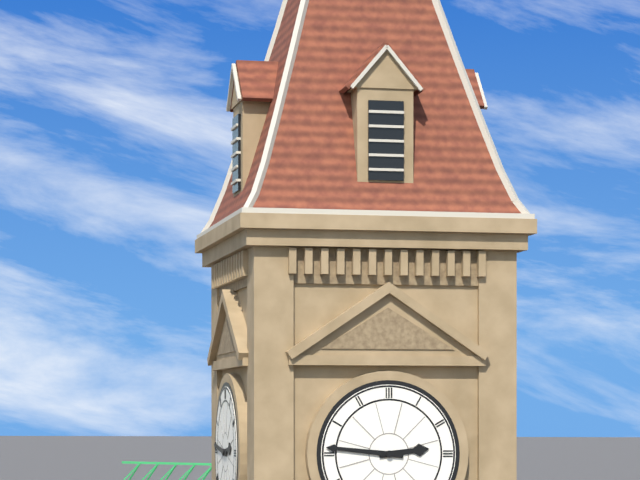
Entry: 2 h 46 min
